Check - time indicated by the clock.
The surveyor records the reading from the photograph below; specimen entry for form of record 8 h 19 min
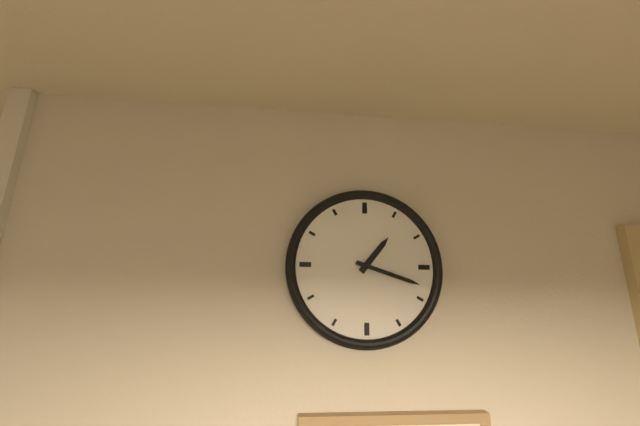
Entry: 1 h 18 min
